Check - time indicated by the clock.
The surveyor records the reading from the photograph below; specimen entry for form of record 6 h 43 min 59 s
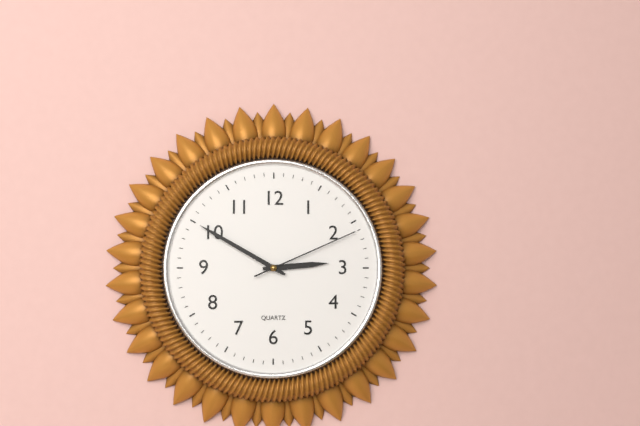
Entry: 2 h 50 min 11 s
